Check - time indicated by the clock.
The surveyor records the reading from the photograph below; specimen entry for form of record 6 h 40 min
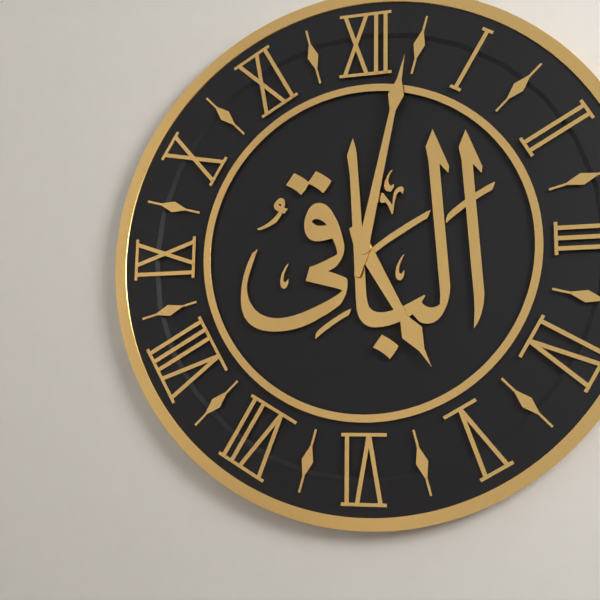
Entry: 5 h 02 min
